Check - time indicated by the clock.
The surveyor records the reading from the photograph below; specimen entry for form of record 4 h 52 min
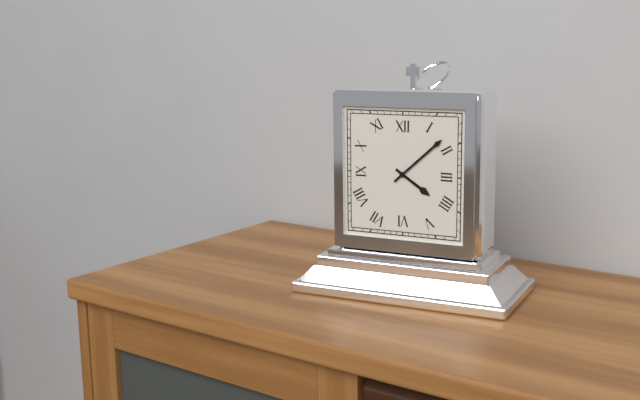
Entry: 4 h 08 min
